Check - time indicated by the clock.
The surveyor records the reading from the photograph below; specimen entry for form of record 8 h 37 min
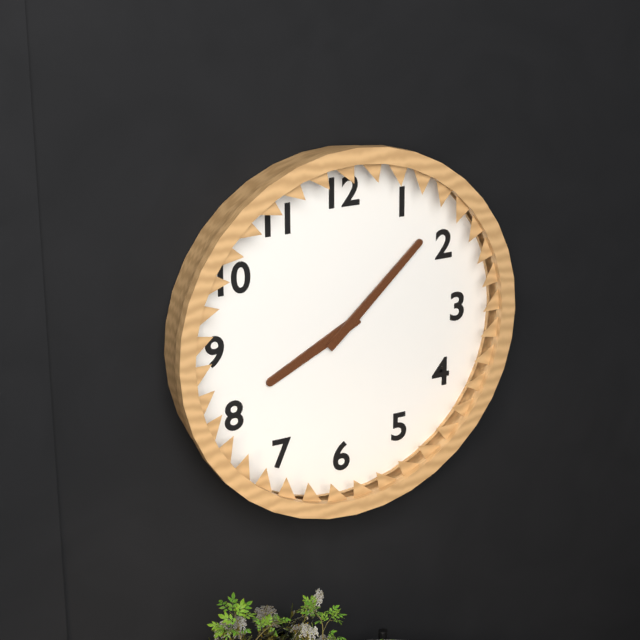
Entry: 8 h 08 min
